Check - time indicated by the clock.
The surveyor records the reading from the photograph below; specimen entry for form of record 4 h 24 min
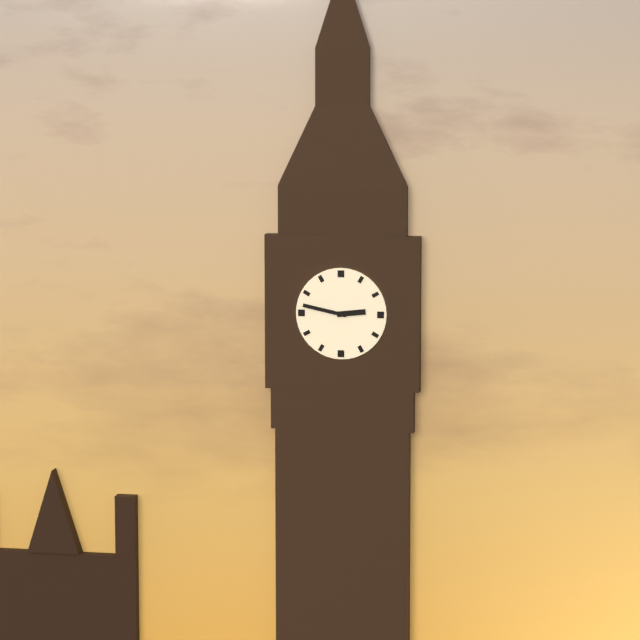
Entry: 2 h 47 min
